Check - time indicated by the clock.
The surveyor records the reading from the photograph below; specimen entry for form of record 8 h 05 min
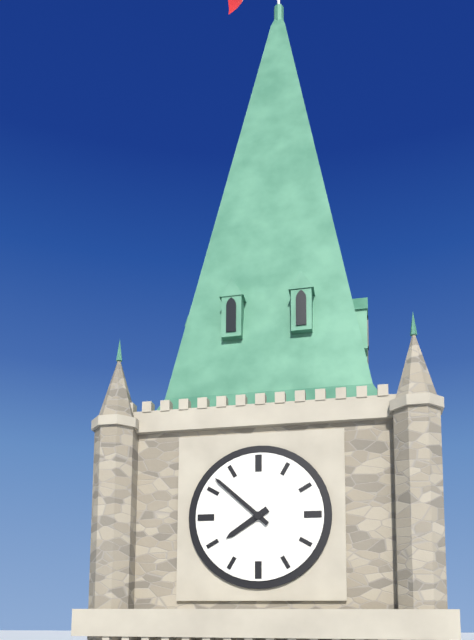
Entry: 7 h 52 min
